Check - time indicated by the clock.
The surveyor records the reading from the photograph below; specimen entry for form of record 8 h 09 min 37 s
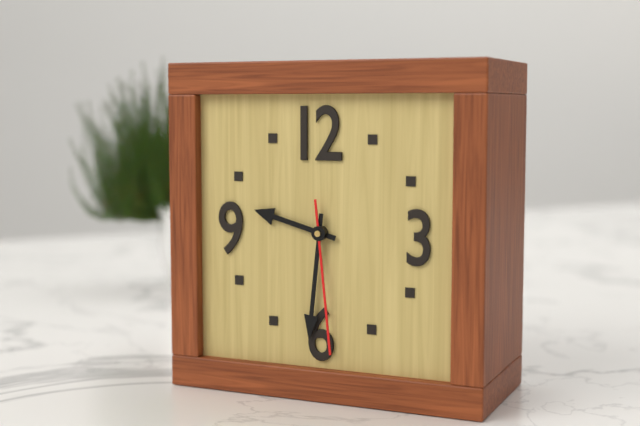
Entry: 9 h 31 min 29 s
